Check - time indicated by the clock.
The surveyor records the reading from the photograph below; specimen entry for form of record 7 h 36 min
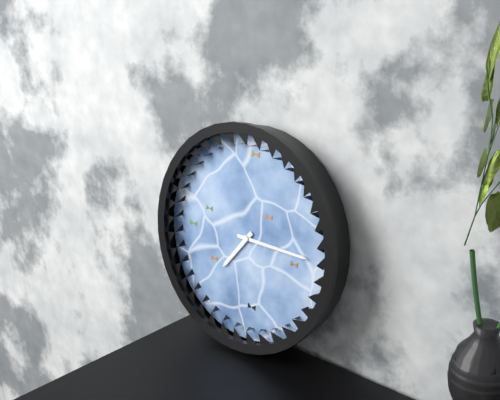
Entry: 7 h 15 min
